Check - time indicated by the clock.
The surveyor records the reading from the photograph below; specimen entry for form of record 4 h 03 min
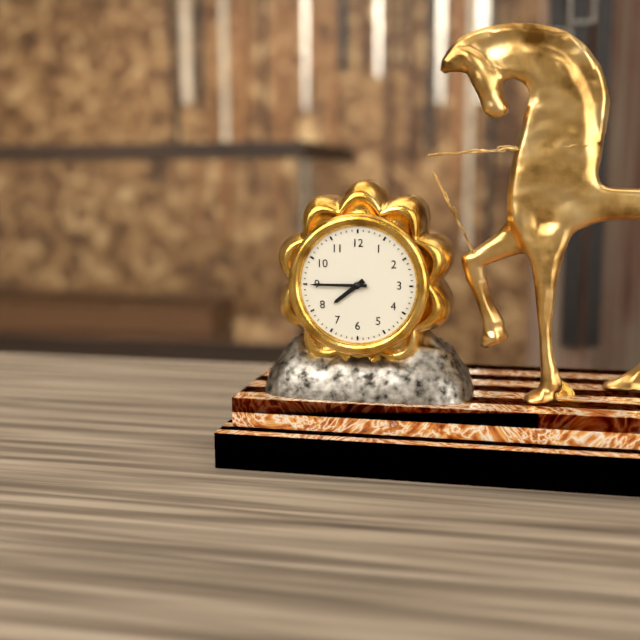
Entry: 7 h 45 min
